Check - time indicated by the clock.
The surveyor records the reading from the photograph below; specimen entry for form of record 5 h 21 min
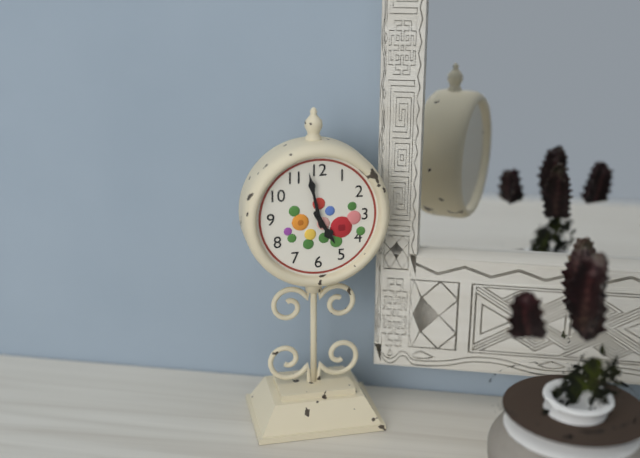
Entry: 4 h 58 min
